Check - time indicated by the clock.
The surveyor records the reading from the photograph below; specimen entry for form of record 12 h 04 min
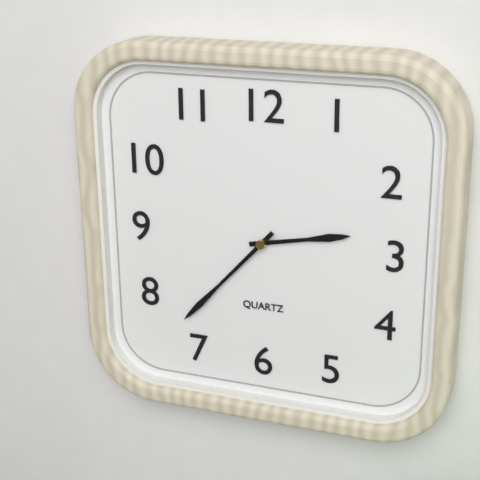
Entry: 2 h 37 min
